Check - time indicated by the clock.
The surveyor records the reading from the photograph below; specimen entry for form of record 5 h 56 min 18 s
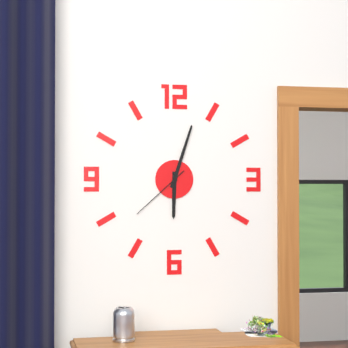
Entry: 6 h 03 min 38 s
